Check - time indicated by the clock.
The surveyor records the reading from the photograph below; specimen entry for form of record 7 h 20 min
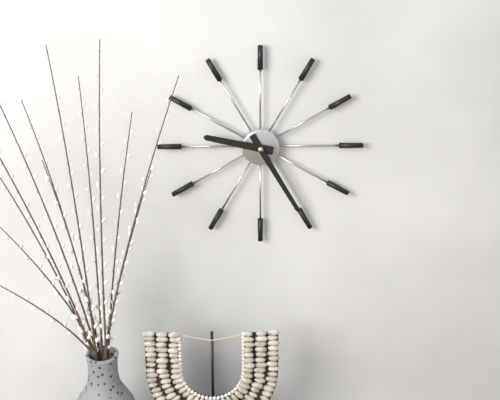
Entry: 9 h 25 min
